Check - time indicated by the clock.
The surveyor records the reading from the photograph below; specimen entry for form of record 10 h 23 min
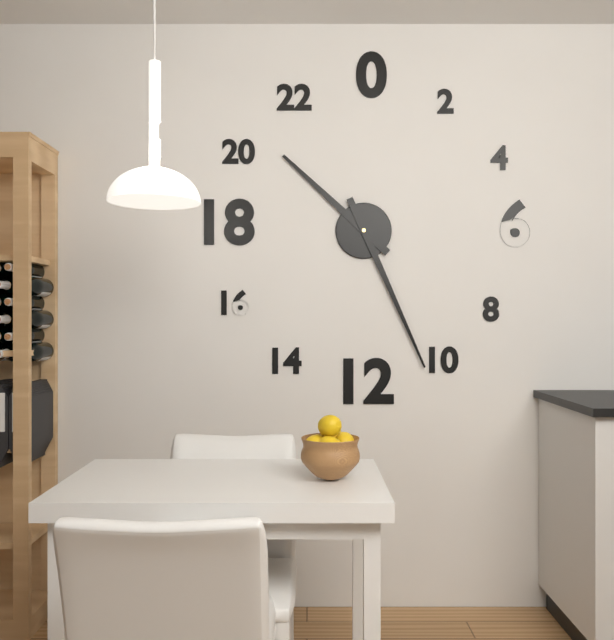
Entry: 10 h 26 min
